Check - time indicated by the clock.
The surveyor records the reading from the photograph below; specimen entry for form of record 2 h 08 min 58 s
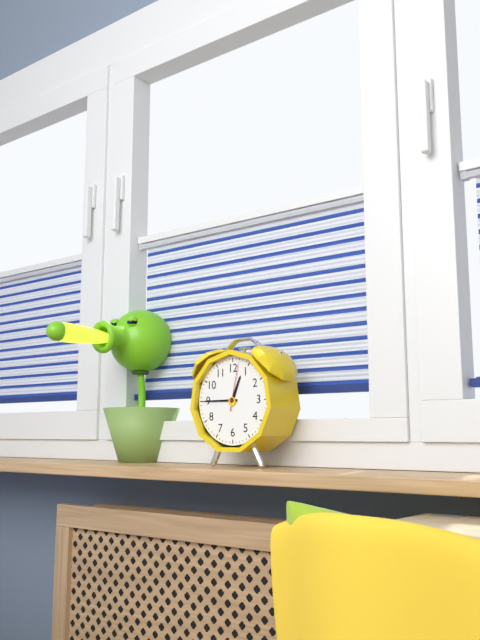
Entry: 12 h 45 min 02 s
